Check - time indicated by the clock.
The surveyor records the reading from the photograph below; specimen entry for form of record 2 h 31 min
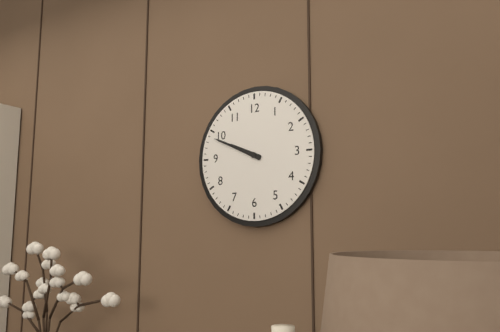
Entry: 9 h 49 min
